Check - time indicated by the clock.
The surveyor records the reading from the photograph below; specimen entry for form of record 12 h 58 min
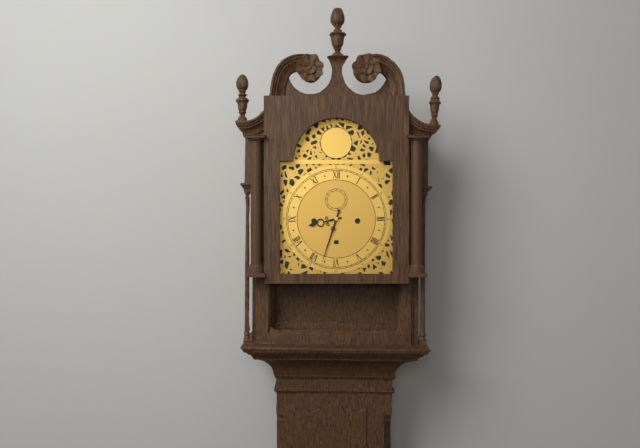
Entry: 8 h 33 min
